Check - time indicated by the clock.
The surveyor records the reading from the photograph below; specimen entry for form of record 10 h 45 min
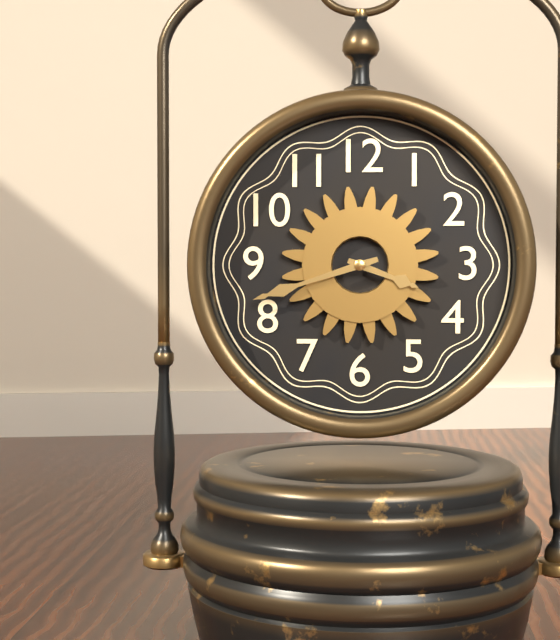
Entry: 3 h 42 min
